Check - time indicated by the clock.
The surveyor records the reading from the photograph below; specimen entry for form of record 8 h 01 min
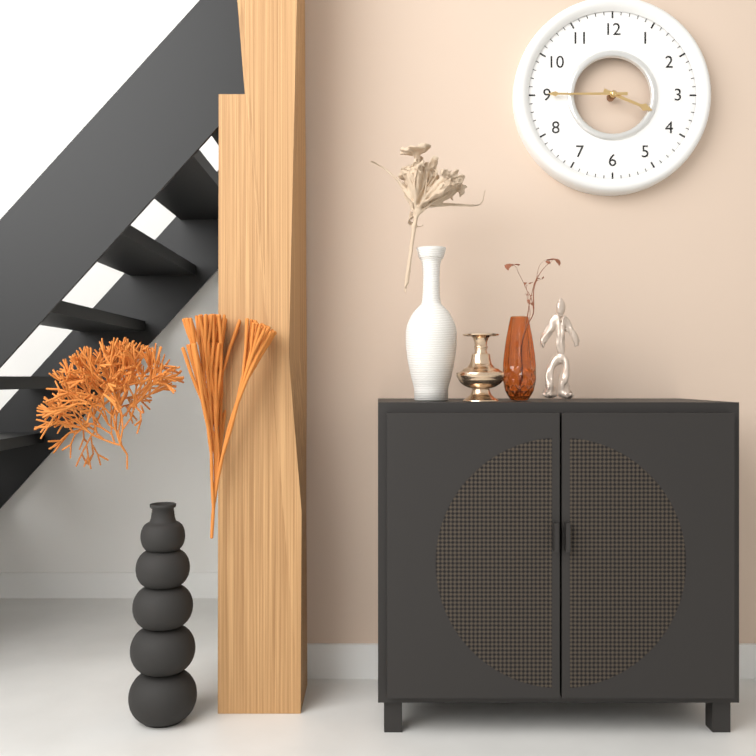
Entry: 3 h 45 min
